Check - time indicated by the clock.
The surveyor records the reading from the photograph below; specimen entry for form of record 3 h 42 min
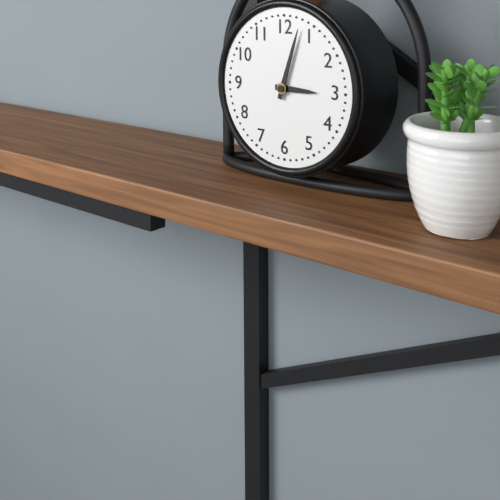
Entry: 3 h 03 min
